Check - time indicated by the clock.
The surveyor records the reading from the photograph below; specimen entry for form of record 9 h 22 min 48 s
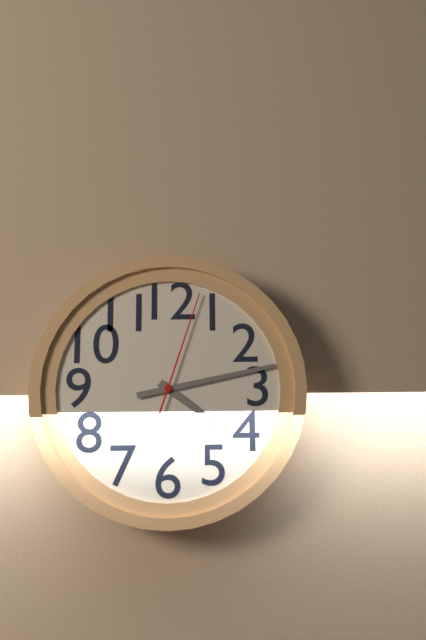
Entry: 4 h 13 min 03 s
